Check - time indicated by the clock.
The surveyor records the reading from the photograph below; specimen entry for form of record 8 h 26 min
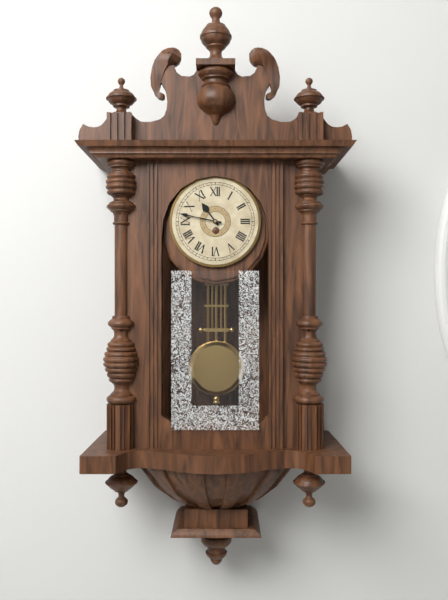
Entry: 10 h 47 min
